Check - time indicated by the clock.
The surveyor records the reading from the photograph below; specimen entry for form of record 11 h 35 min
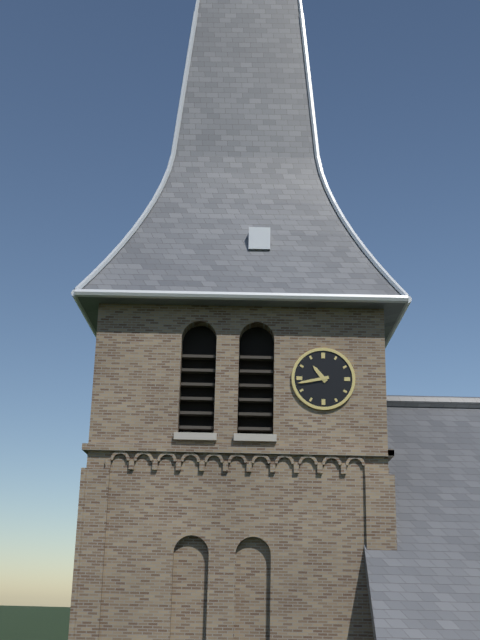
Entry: 10 h 43 min
